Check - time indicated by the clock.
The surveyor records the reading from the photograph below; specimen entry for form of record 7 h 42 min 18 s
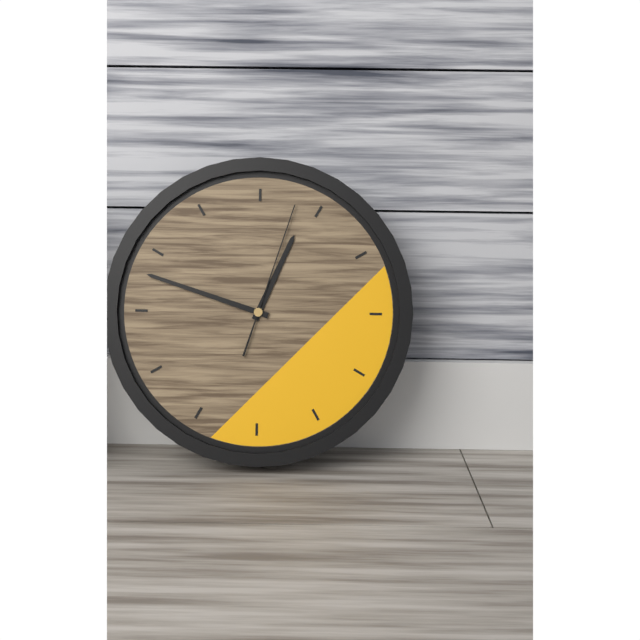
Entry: 12 h 48 min 03 s
